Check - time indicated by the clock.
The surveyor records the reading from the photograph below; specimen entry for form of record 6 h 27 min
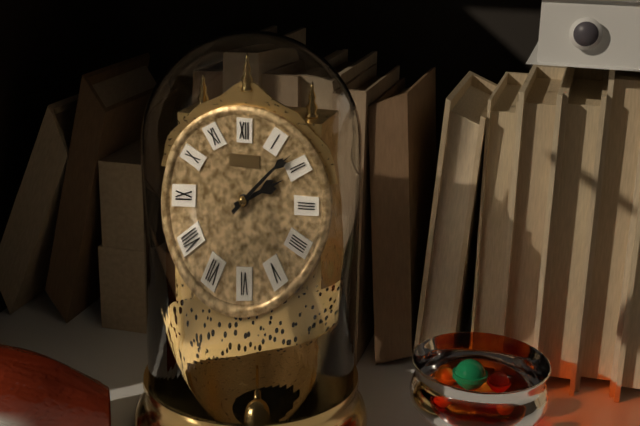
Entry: 2 h 08 min
